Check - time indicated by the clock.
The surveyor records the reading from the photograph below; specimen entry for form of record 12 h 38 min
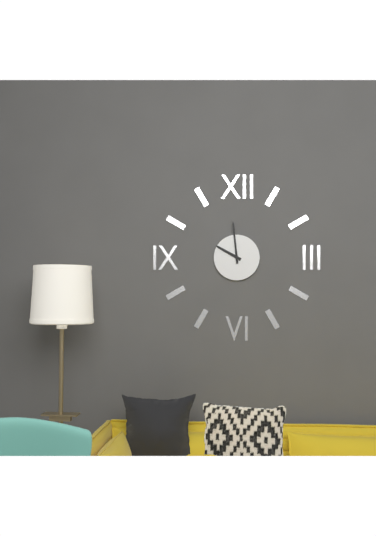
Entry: 9 h 59 min
